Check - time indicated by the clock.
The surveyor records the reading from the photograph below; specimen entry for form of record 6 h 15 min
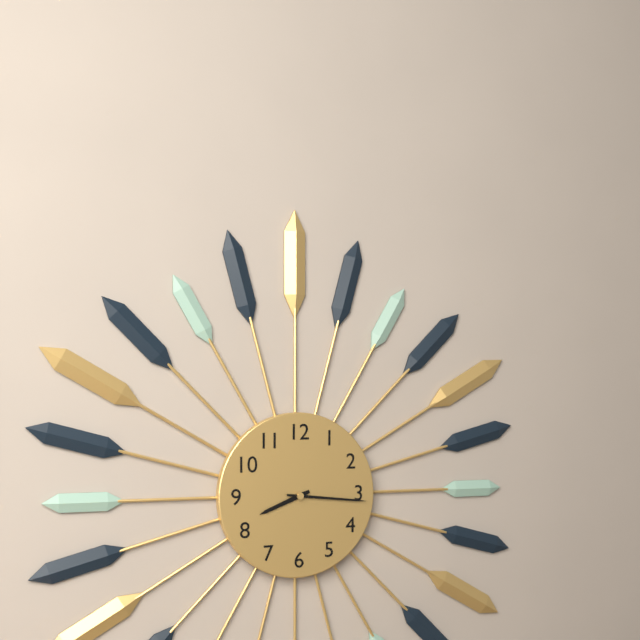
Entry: 8 h 16 min
